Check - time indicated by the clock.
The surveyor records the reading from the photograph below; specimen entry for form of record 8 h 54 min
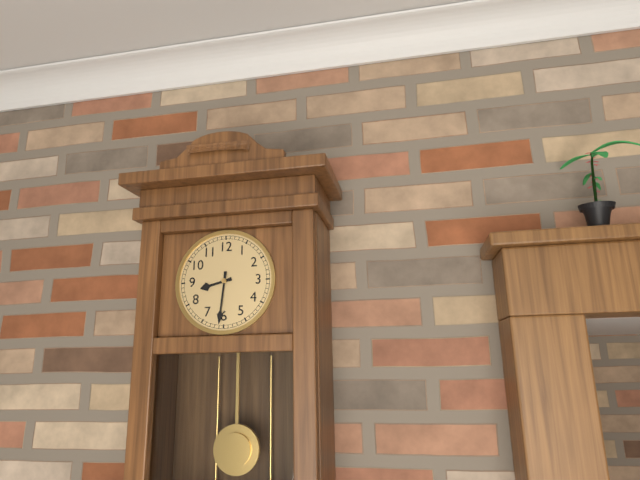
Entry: 8 h 31 min
